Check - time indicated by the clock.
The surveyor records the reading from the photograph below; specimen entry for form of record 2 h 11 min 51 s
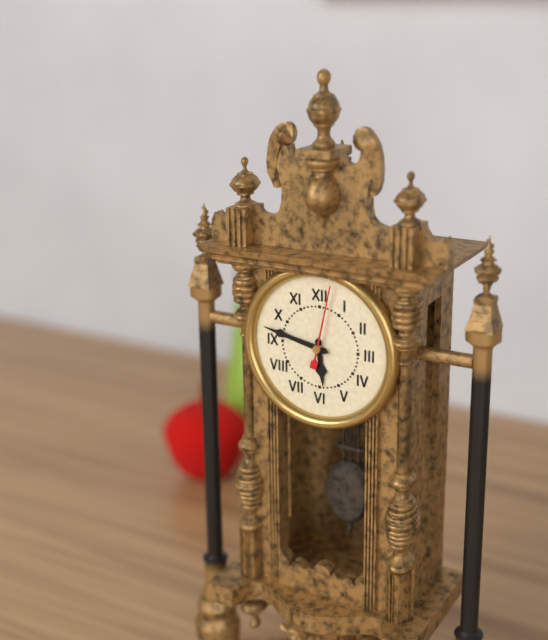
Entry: 5 h 47 min 02 s
